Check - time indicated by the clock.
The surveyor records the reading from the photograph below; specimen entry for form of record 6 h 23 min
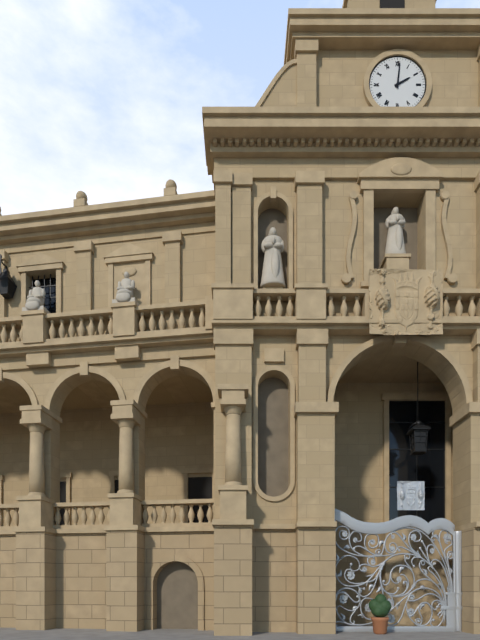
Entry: 2 h 01 min
